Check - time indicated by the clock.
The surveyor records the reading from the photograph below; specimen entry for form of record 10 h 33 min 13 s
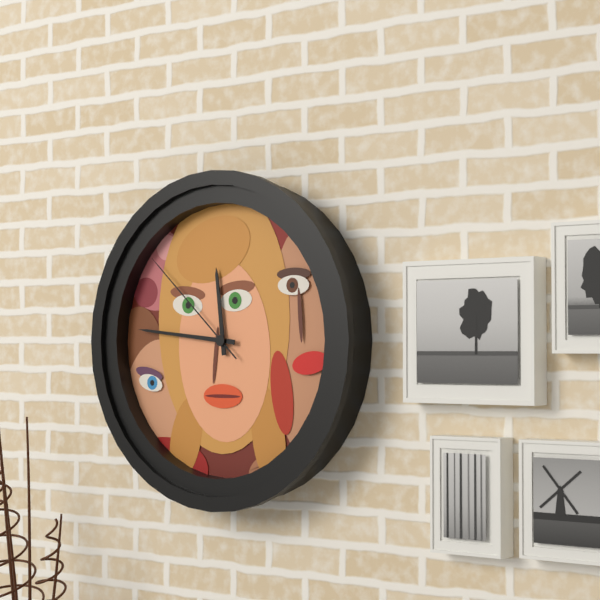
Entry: 11 h 46 min 52 s
